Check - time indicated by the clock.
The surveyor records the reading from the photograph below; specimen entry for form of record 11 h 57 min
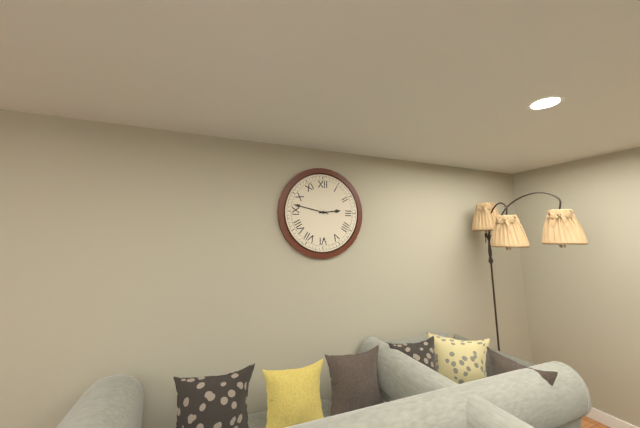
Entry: 2 h 47 min
